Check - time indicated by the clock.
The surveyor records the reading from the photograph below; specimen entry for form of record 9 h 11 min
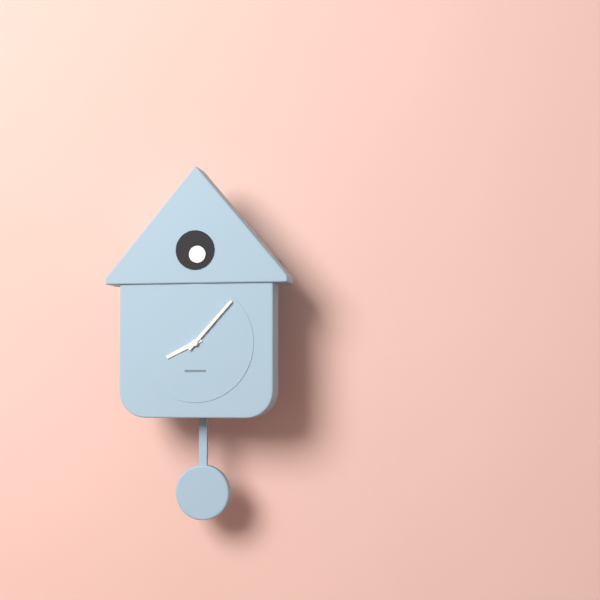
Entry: 8 h 07 min
